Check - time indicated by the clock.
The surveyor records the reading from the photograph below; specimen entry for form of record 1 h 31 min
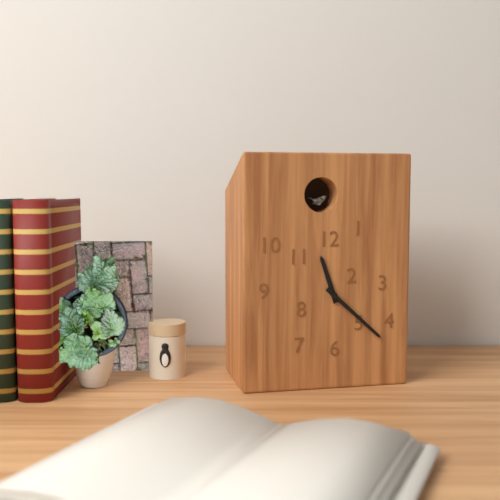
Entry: 11 h 22 min
